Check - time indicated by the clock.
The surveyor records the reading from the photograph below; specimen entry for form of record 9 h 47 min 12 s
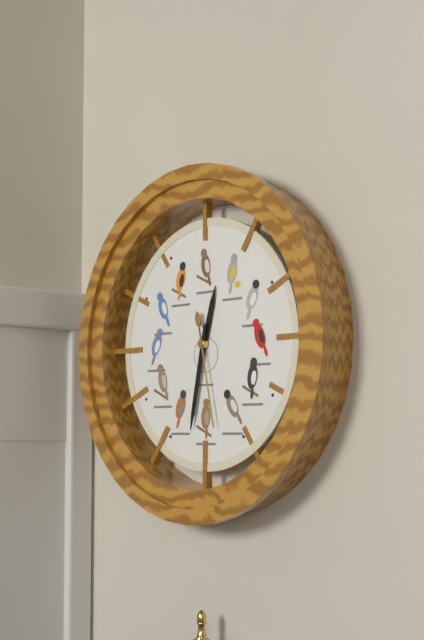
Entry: 12 h 32 min 28 s
